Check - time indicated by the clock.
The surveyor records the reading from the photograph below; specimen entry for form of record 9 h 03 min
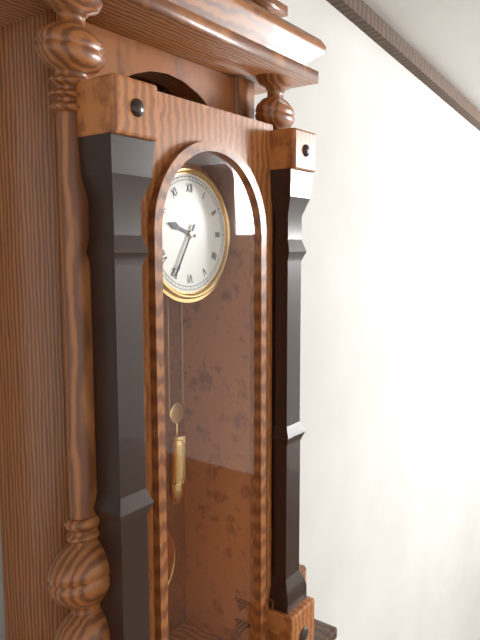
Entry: 9 h 35 min
